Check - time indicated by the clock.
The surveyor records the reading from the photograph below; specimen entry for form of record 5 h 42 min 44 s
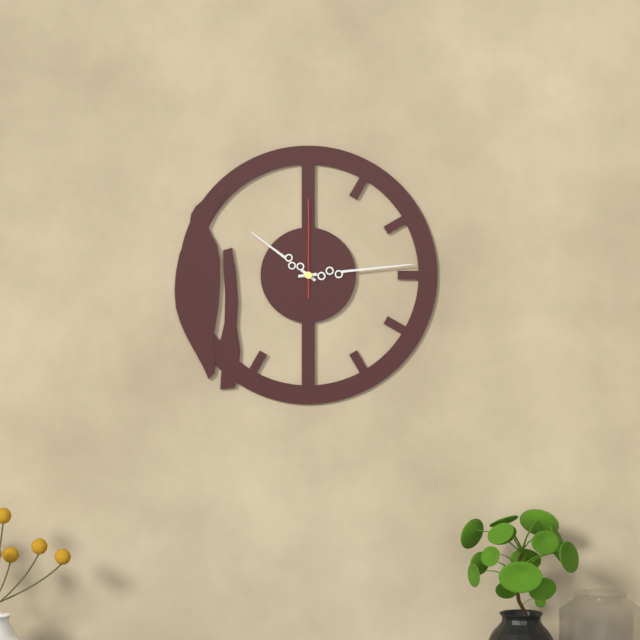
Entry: 10 h 14 min 00 s
